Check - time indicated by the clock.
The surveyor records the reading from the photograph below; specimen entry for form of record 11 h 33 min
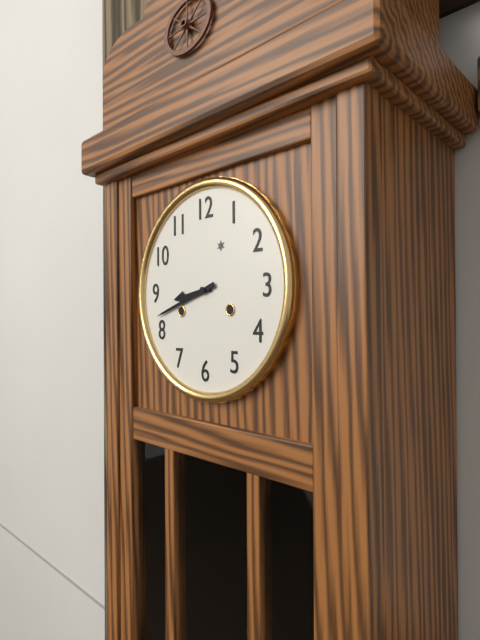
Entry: 8 h 42 min
